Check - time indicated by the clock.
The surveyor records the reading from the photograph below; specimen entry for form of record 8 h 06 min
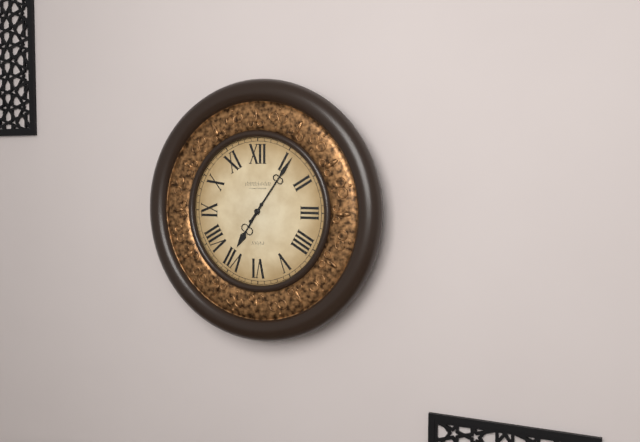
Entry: 7 h 06 min
